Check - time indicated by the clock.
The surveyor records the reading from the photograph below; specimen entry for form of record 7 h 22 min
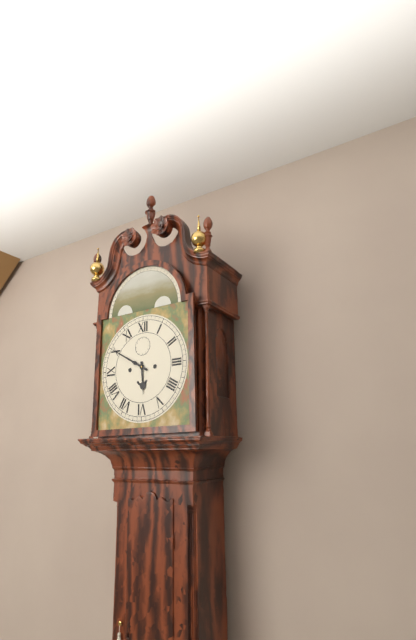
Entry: 5 h 50 min
